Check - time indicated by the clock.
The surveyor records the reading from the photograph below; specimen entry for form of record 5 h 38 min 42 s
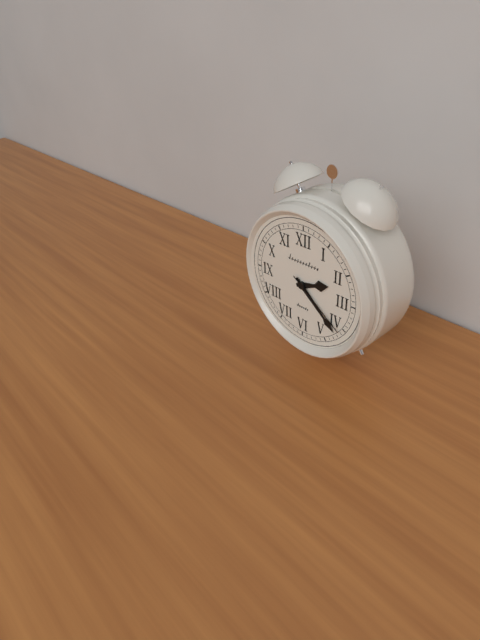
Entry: 2 h 22 min 21 s
